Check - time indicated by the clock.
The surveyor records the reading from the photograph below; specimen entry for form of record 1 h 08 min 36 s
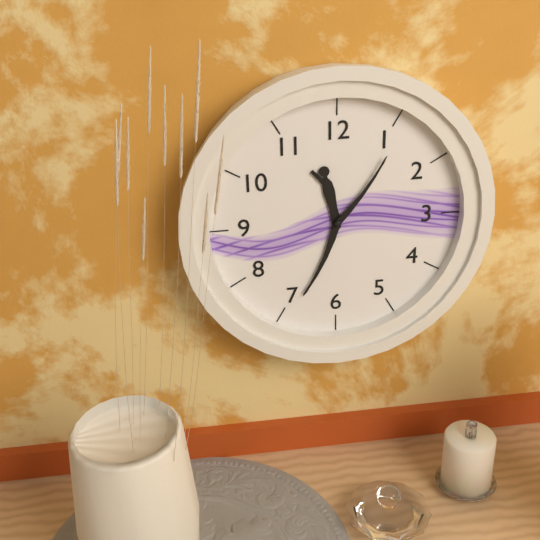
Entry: 11 h 34 min 06 s
